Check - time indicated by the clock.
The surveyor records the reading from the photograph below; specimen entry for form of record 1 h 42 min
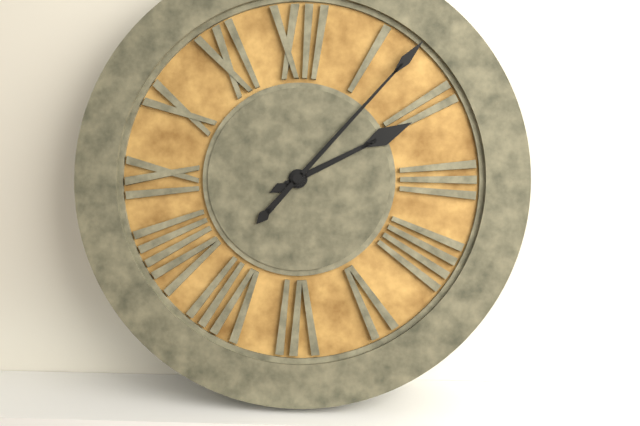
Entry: 2 h 07 min
